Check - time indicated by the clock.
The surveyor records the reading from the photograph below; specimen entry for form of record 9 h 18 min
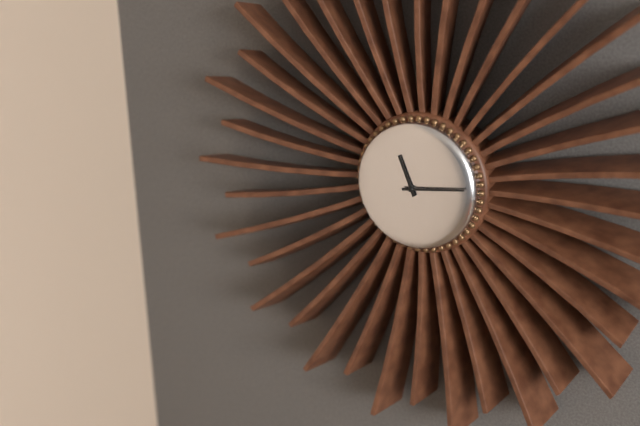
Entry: 11 h 14 min
